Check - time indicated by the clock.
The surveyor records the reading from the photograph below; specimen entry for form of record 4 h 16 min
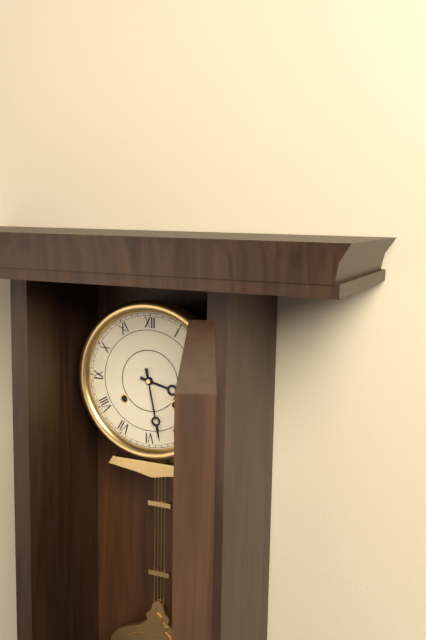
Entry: 3 h 28 min
